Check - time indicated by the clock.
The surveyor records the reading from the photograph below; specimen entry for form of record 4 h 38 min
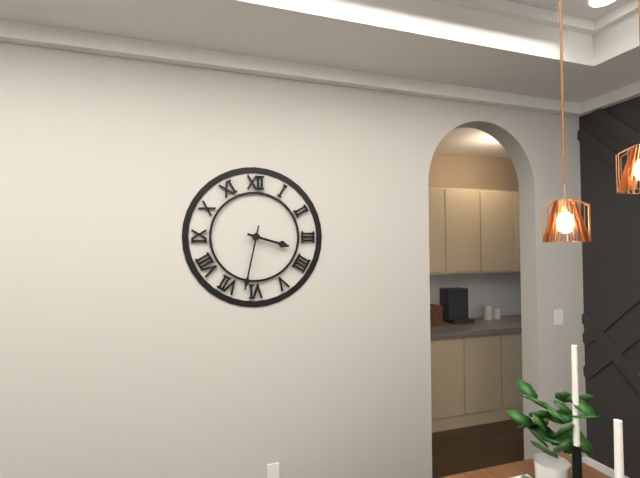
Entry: 3 h 32 min
